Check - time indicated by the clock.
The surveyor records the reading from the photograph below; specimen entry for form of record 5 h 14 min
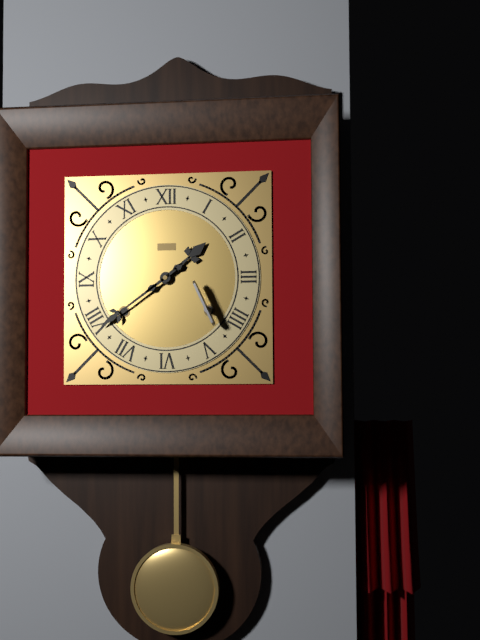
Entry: 1 h 39 min
